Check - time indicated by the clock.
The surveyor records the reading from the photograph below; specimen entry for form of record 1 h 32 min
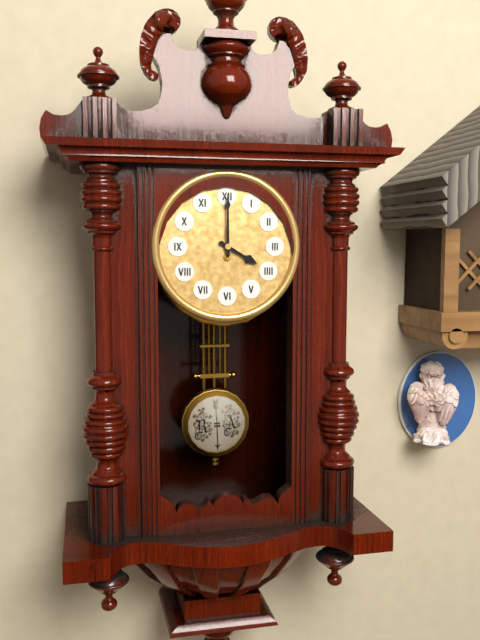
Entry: 4 h 00 min
